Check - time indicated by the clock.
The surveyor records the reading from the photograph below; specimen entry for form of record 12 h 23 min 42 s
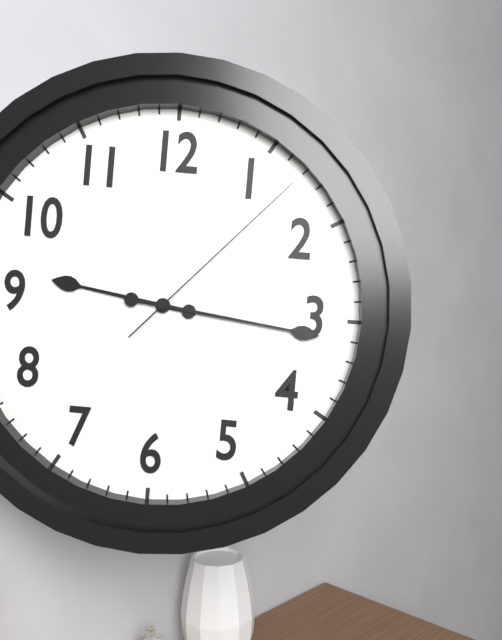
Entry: 9 h 16 min 07 s
